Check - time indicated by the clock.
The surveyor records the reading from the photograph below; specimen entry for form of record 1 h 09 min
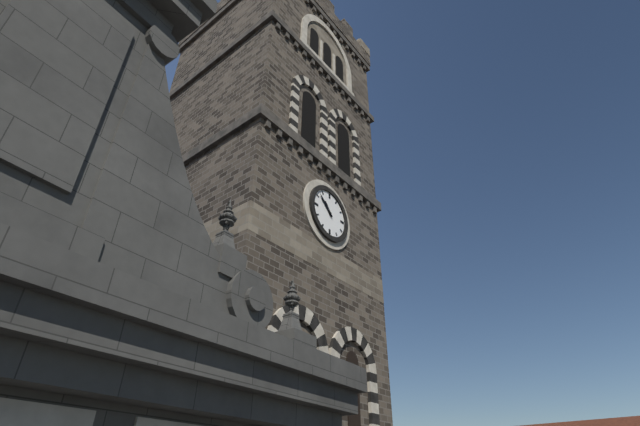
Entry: 10 h 52 min
